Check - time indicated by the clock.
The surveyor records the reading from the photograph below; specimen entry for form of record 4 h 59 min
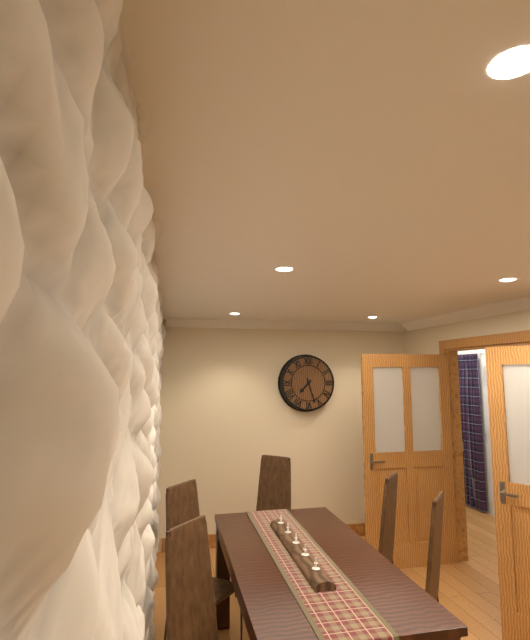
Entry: 7 h 27 min
